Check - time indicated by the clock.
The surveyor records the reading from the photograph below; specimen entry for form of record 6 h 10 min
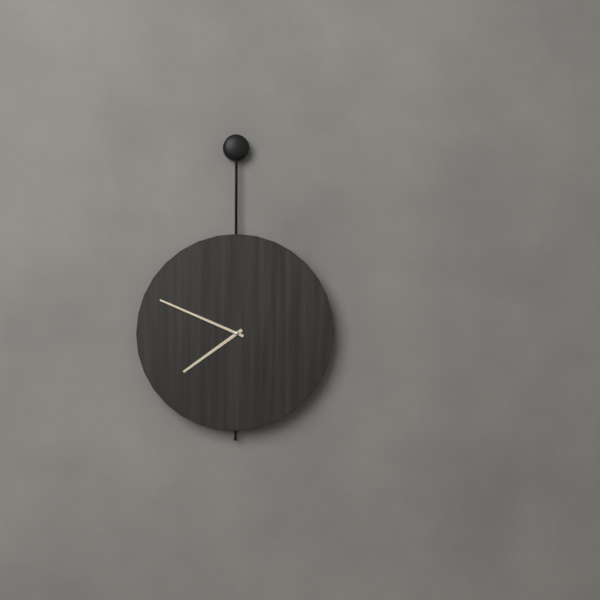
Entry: 7 h 49 min
